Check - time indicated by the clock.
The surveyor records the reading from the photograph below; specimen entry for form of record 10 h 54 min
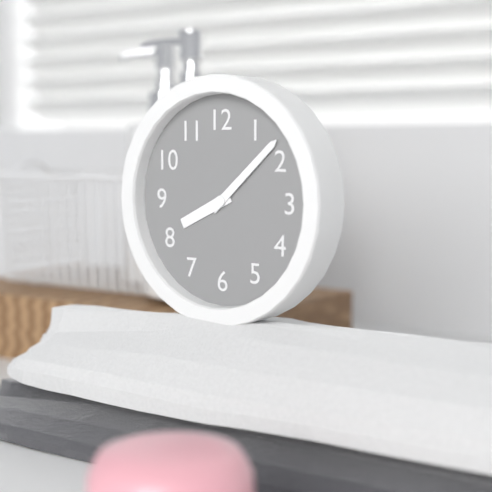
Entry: 8 h 08 min
